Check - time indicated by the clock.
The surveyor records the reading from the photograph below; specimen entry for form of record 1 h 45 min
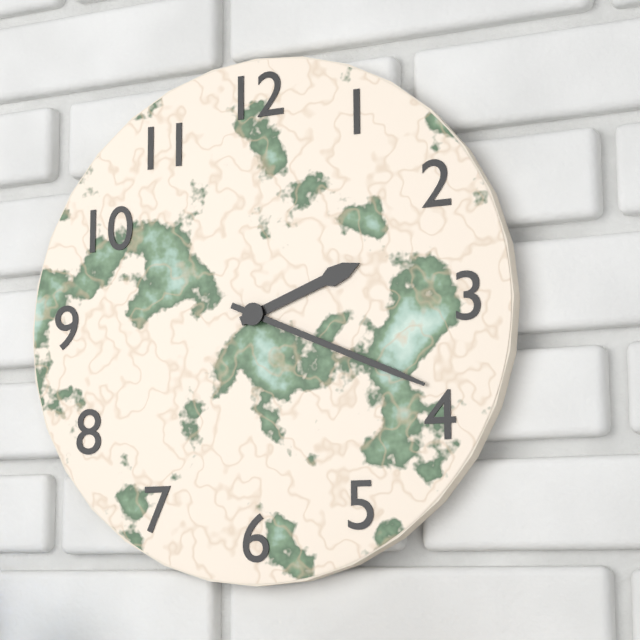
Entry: 2 h 19 min
